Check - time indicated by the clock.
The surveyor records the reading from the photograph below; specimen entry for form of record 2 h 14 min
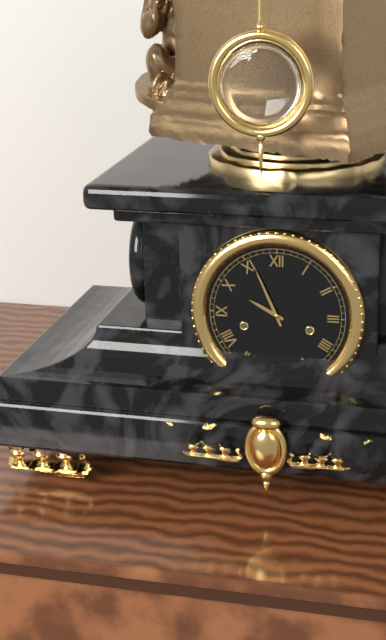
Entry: 9 h 56 min
